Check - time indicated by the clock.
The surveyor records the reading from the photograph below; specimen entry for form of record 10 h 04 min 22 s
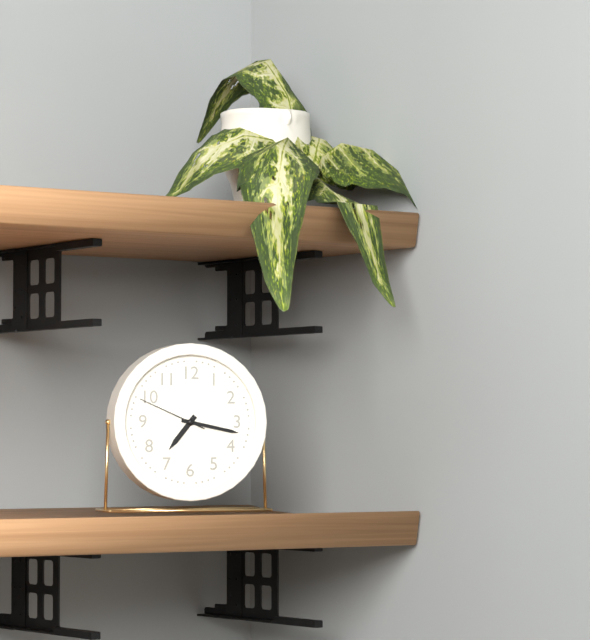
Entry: 7 h 17 min 49 s
